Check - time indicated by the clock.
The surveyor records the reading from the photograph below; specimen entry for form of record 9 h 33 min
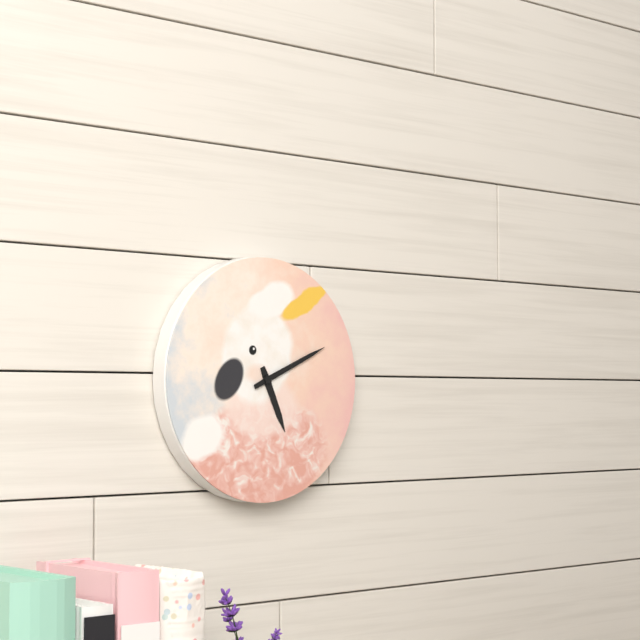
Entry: 5 h 11 min
